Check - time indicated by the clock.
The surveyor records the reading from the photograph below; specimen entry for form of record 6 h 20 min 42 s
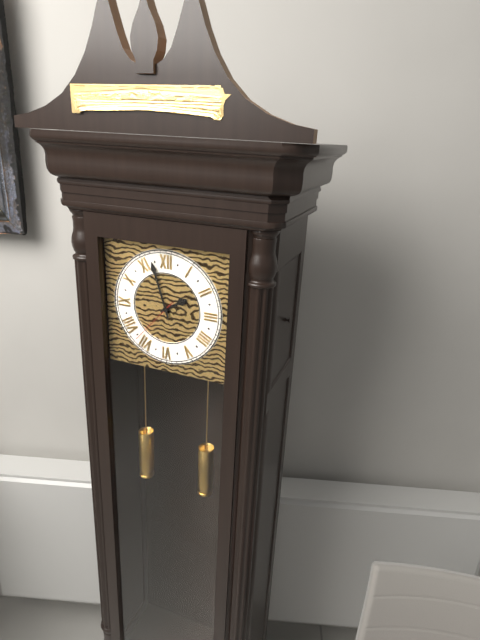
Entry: 1 h 57 min 37 s
